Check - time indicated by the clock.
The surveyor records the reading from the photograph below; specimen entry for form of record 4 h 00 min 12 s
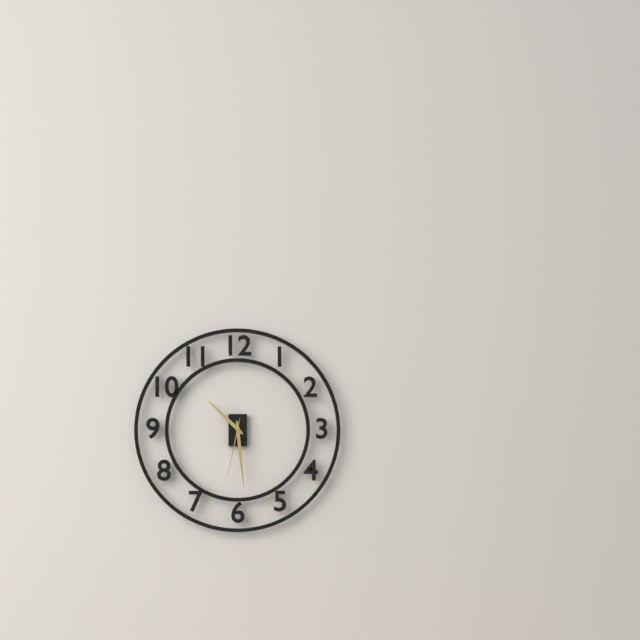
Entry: 10 h 29 min 32 s
